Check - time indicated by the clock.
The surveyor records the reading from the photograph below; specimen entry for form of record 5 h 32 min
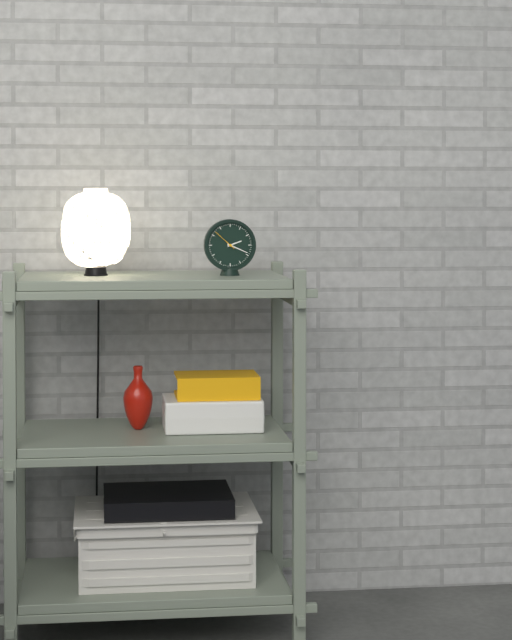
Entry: 2 h 19 min
